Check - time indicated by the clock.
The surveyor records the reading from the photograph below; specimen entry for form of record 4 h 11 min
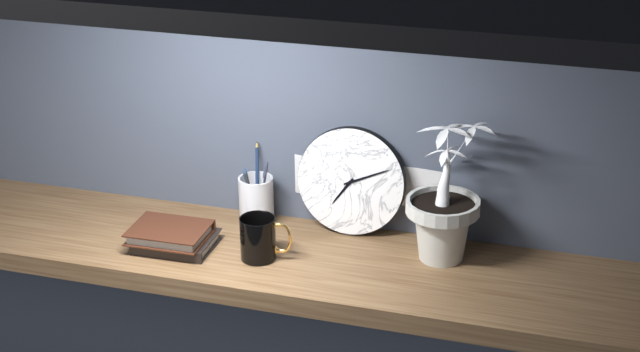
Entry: 7 h 11 min
